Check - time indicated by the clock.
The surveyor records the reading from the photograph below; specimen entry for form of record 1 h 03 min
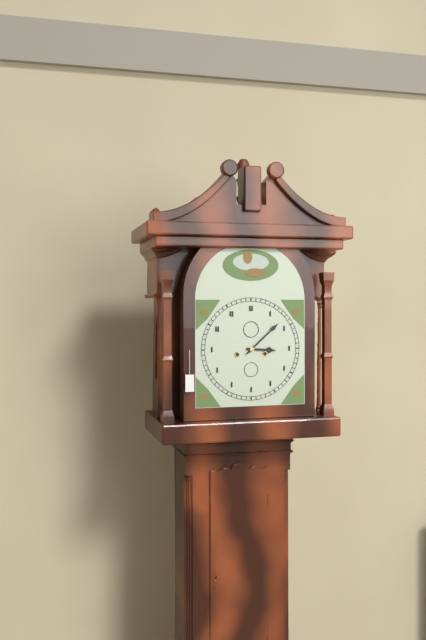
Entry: 3 h 08 min
